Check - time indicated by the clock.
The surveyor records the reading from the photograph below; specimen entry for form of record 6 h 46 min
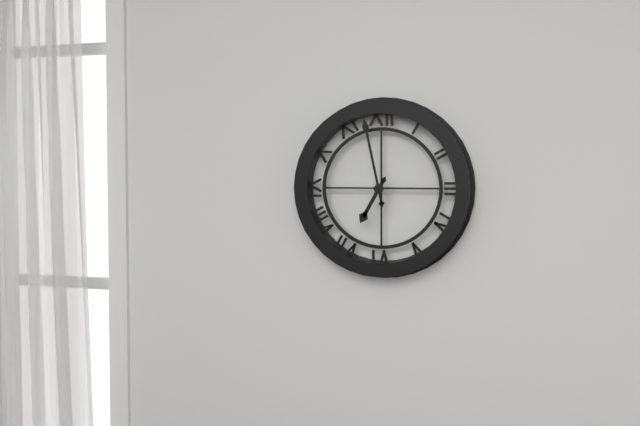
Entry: 6 h 58 min
